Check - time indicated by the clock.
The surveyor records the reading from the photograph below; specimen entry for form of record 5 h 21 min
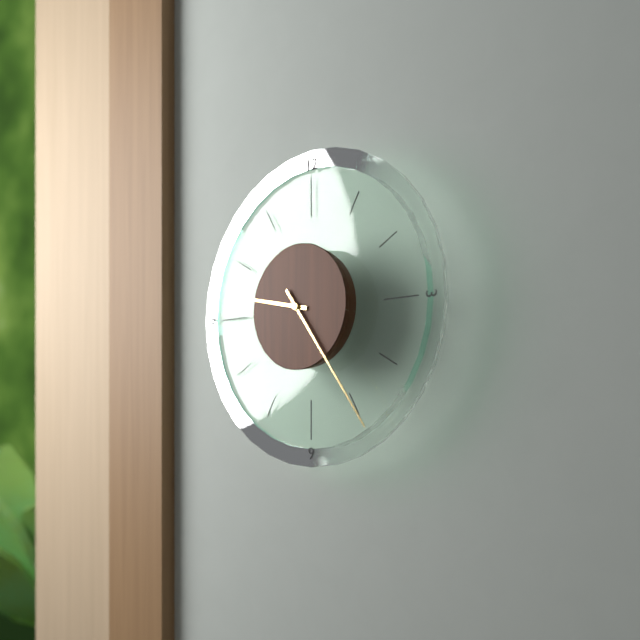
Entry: 9 h 24 min
